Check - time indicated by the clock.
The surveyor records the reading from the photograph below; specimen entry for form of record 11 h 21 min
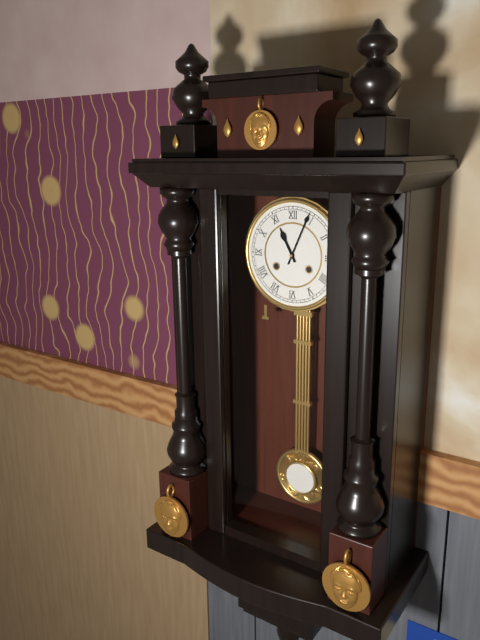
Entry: 11 h 04 min
